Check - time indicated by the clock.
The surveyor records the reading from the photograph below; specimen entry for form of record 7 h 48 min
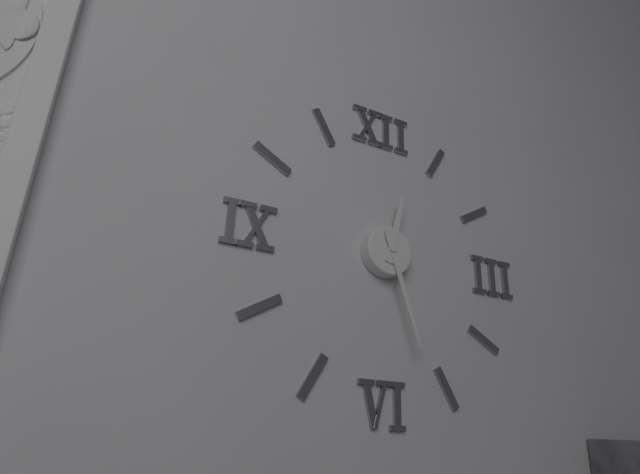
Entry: 12 h 27 min
